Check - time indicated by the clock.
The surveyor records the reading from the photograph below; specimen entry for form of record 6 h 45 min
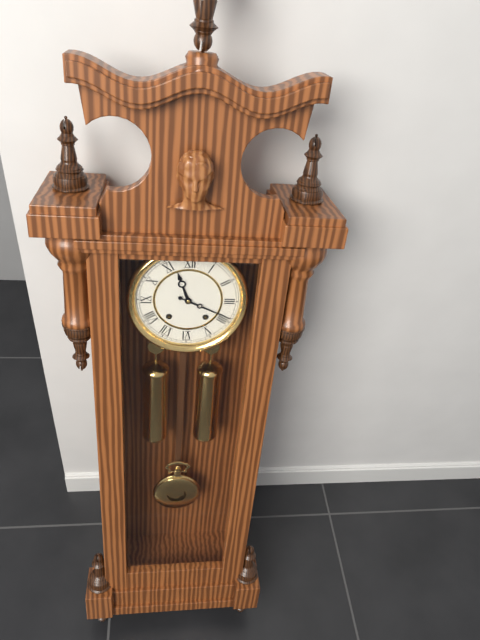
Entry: 11 h 19 min
